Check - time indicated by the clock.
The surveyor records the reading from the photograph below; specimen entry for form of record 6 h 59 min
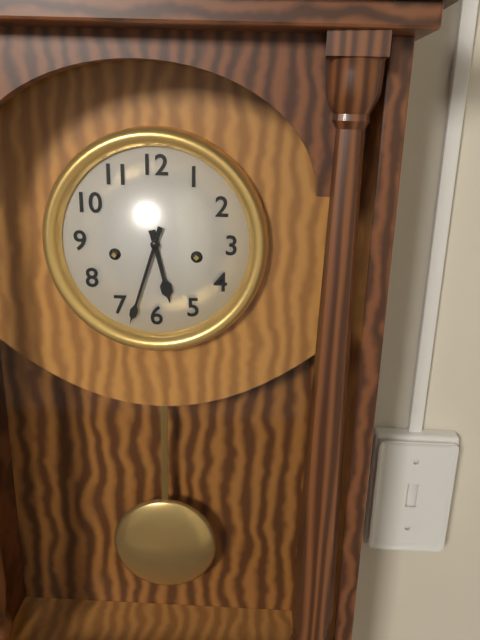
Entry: 5 h 33 min
